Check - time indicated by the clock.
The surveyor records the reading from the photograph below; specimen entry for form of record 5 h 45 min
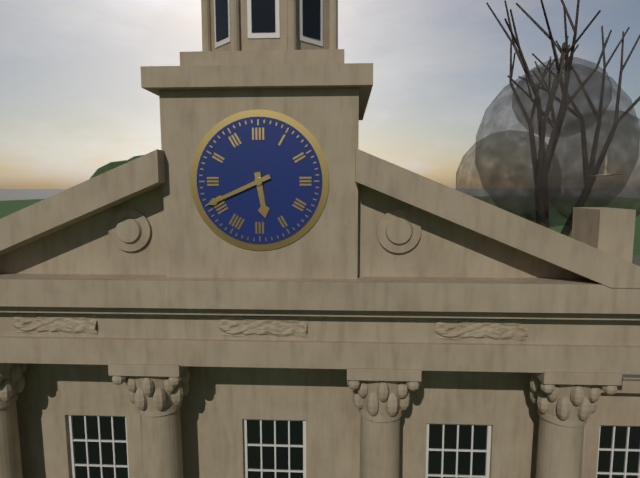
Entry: 5 h 41 min
